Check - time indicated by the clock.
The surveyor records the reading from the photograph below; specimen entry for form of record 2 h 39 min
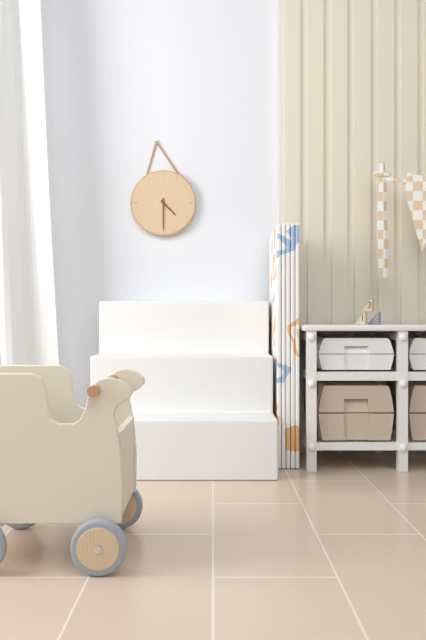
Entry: 4 h 30 min
